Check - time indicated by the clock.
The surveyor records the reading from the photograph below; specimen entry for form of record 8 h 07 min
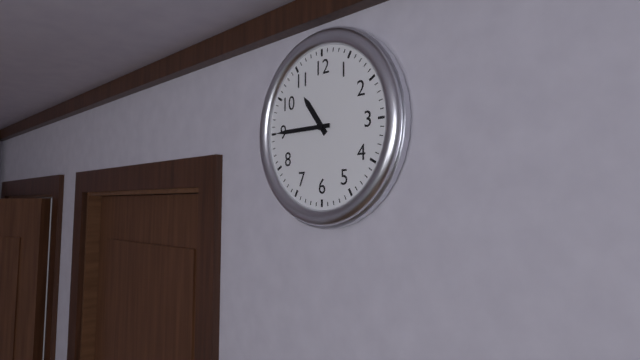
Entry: 10 h 45 min
